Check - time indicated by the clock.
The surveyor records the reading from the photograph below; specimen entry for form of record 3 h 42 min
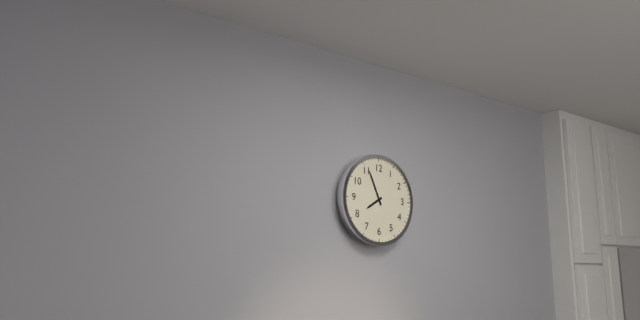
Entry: 7 h 56 min
